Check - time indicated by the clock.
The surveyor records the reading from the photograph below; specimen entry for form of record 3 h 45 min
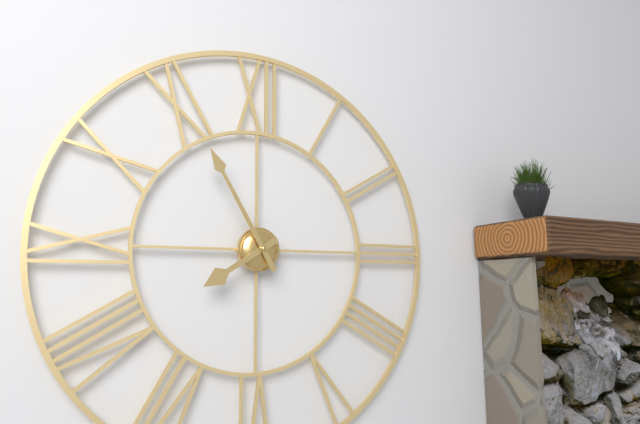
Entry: 7 h 55 min
